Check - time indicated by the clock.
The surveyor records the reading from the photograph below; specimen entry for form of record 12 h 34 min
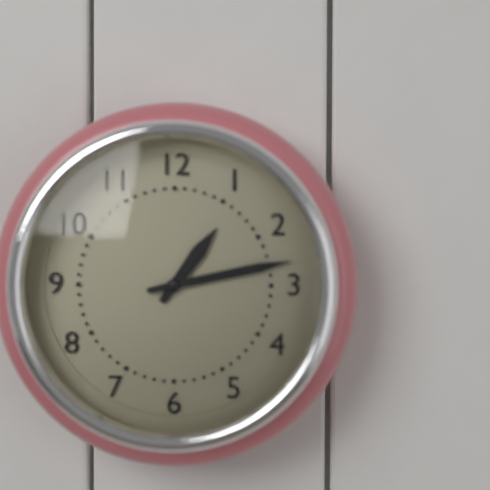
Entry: 1 h 13 min
